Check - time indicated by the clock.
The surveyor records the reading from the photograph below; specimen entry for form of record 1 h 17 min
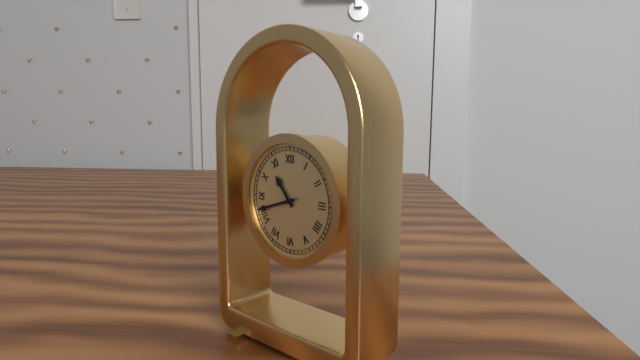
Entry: 10 h 42 min
